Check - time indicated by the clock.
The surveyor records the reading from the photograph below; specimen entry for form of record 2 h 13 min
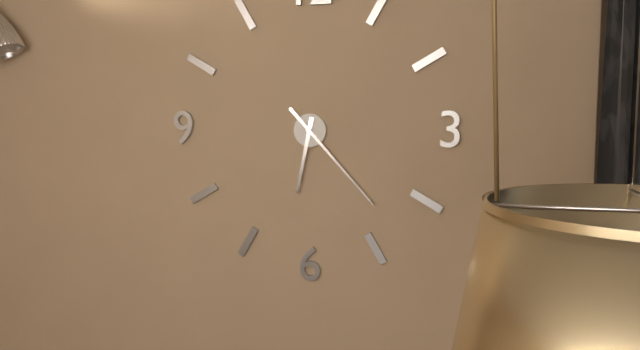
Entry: 6 h 23 min
